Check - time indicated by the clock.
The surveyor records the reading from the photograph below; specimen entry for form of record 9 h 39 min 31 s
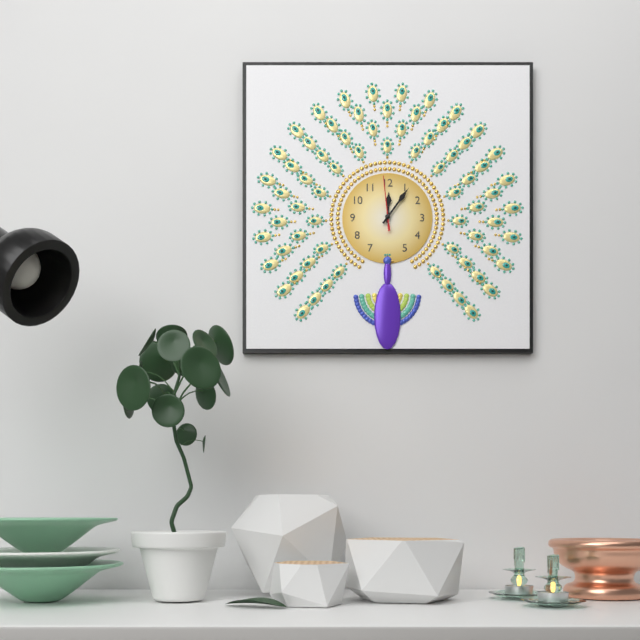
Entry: 12 h 06 min 59 s
